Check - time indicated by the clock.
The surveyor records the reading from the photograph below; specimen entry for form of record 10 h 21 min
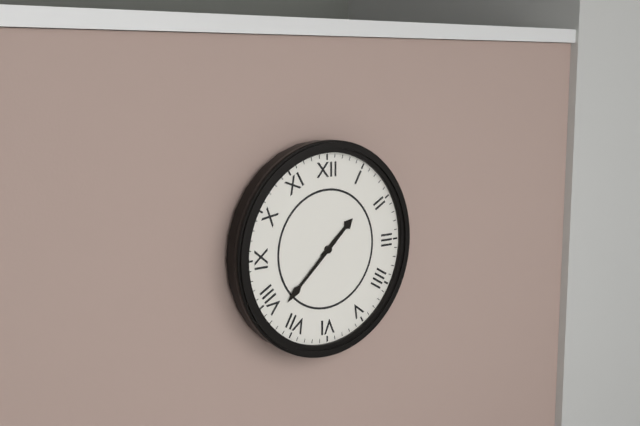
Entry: 1 h 38 min
